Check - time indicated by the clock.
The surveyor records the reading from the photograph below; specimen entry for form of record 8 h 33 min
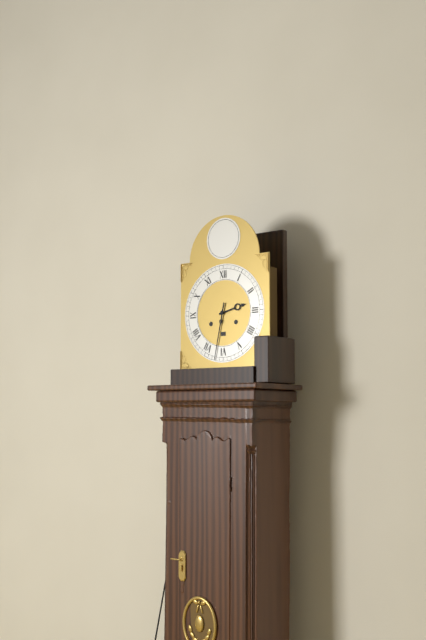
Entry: 2 h 32 min
